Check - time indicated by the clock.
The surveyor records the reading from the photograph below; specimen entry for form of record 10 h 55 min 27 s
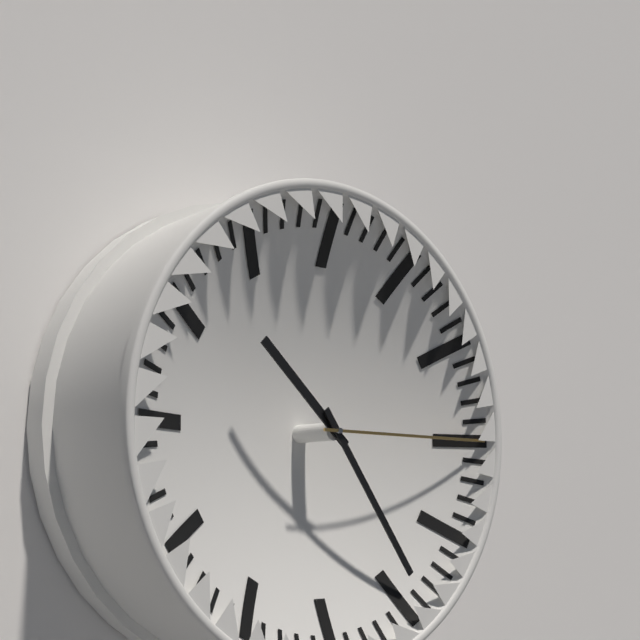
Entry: 10 h 24 min 15 s
